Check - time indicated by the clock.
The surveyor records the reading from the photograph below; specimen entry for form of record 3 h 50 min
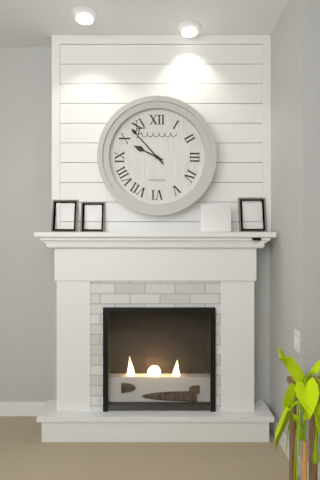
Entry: 9 h 53 min
